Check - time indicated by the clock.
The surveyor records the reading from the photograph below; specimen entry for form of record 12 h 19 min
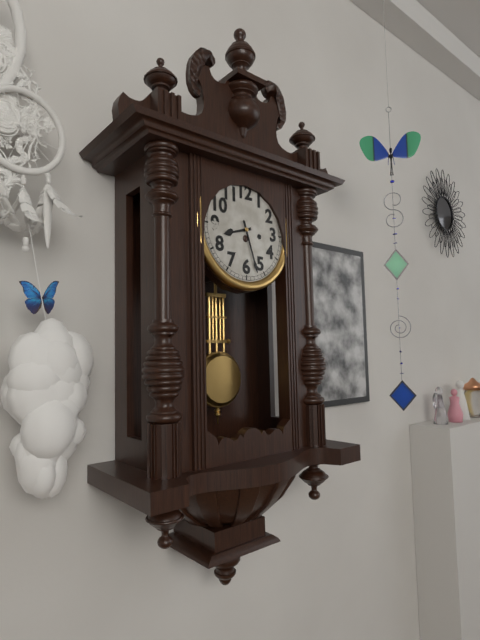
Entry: 8 h 27 min
